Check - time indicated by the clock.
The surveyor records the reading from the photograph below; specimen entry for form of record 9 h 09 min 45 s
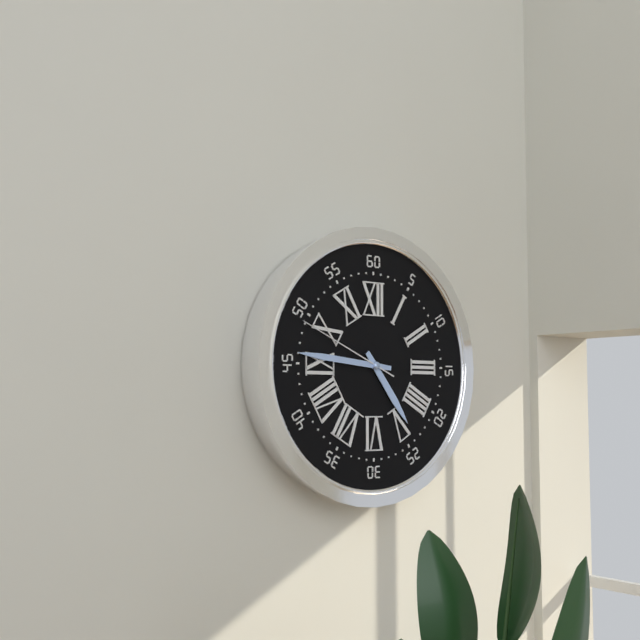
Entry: 4 h 46 min 49 s
